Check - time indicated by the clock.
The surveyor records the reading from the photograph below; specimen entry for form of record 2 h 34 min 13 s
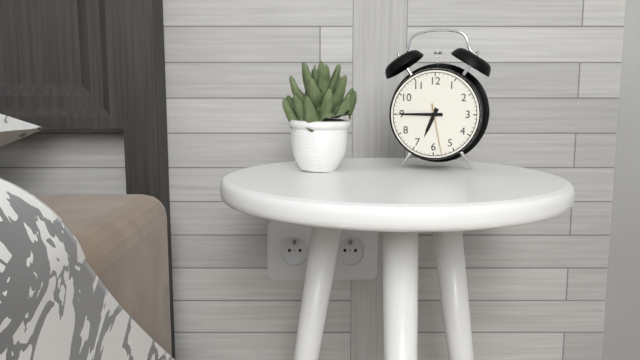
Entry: 6 h 45 min 28 s
